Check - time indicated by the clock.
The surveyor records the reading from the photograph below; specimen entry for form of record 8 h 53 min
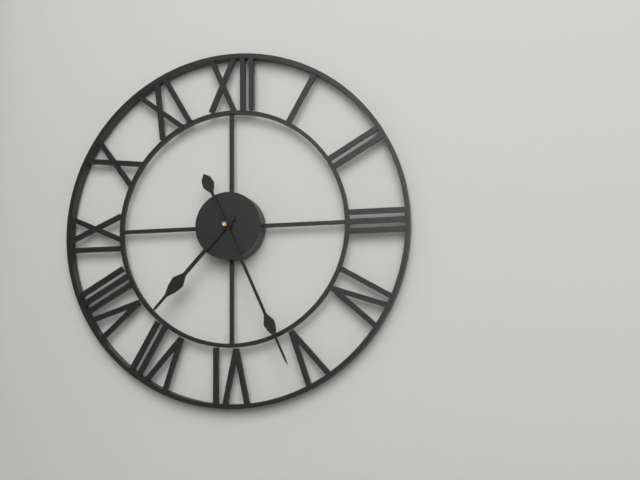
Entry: 7 h 26 min
